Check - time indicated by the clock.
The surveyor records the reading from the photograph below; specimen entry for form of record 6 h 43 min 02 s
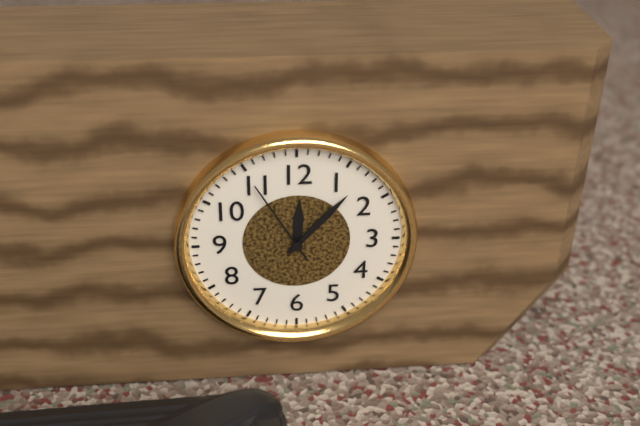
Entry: 12 h 07 min 55 s
